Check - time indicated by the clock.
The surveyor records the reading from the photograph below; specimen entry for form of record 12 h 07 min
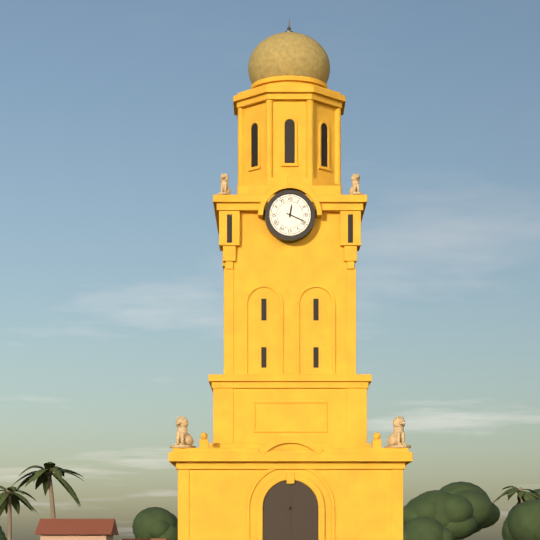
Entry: 12 h 19 min
